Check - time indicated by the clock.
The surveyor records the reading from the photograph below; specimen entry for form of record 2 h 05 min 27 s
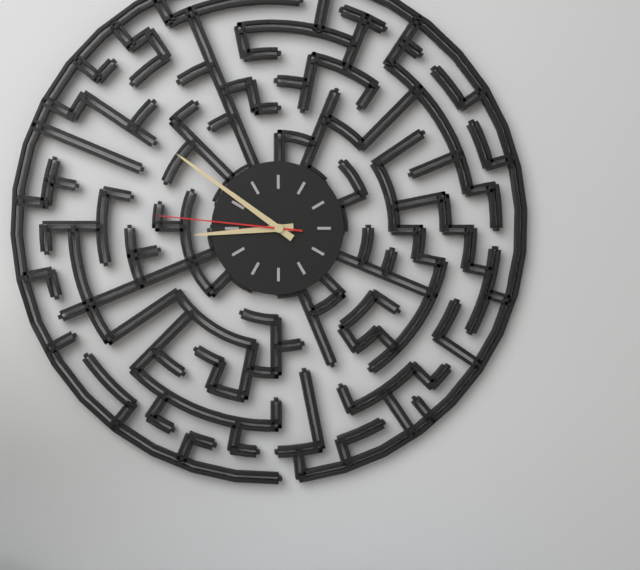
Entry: 8 h 51 min 46 s
